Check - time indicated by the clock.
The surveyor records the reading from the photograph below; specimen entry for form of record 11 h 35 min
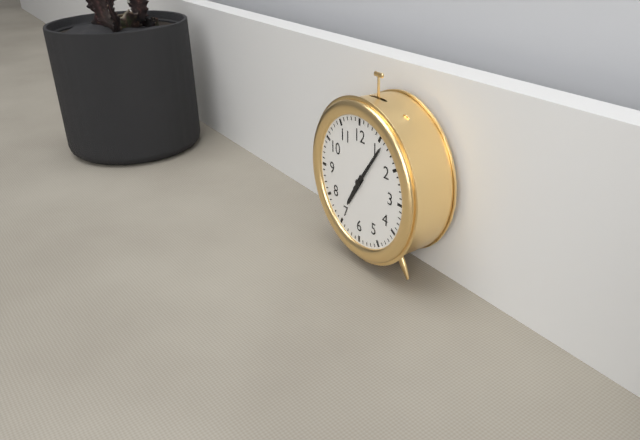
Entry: 7 h 06 min
